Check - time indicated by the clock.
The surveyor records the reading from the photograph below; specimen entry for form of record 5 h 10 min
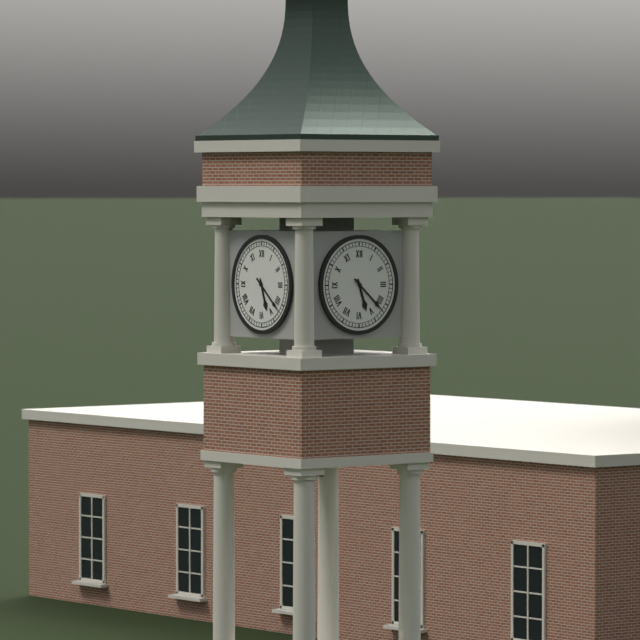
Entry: 5 h 22 min
